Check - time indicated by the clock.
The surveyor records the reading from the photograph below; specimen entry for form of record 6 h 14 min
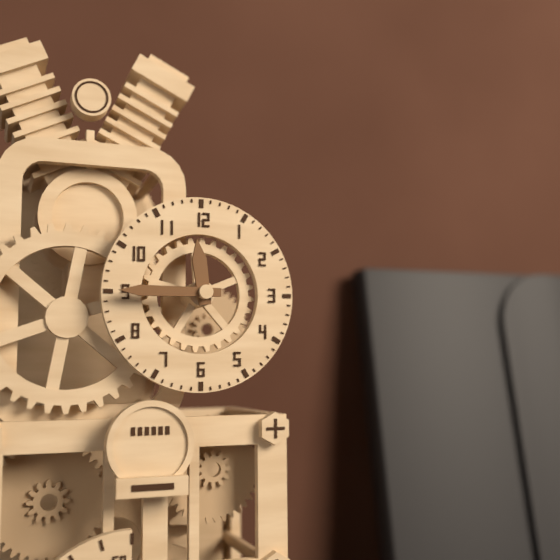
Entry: 11 h 45 min
